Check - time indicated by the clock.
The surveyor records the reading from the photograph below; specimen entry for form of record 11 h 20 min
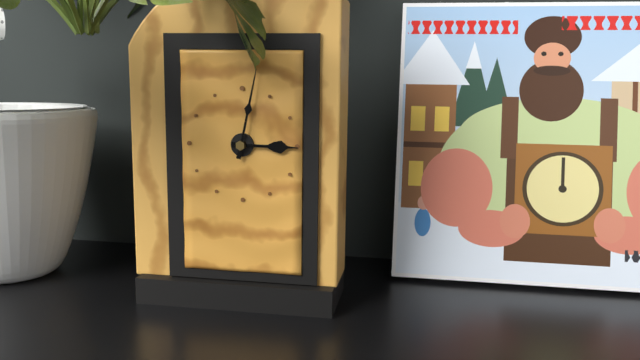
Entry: 3 h 02 min
